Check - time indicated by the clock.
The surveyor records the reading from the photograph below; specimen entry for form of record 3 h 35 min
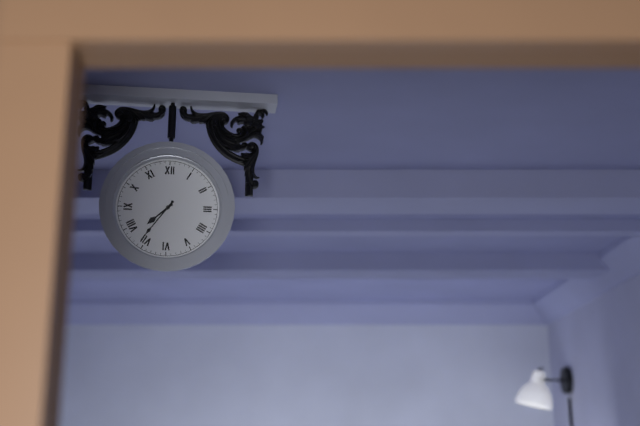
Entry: 7 h 36 min
